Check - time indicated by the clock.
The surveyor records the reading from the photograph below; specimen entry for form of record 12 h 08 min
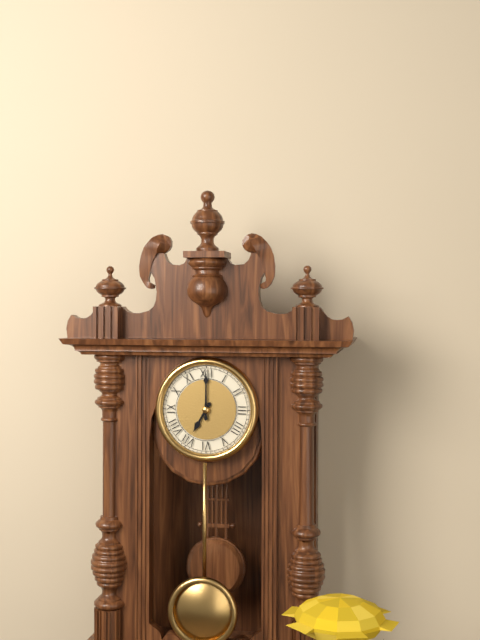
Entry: 7 h 00 min
